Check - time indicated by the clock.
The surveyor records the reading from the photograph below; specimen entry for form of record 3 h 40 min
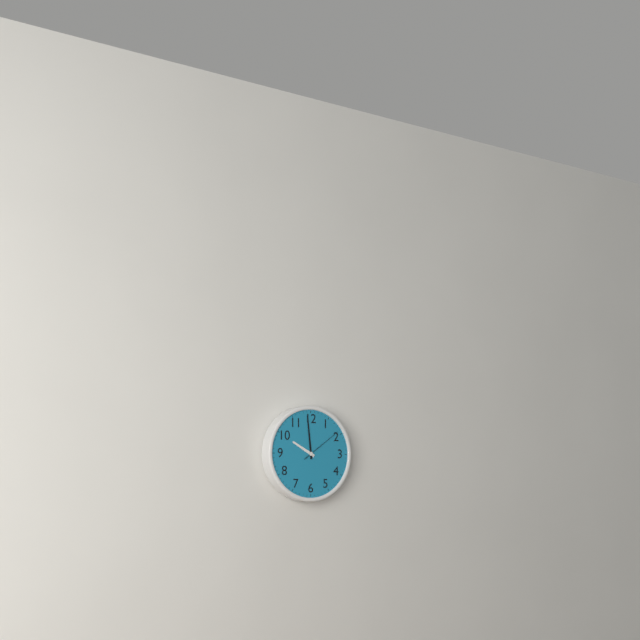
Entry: 9 h 59 min
